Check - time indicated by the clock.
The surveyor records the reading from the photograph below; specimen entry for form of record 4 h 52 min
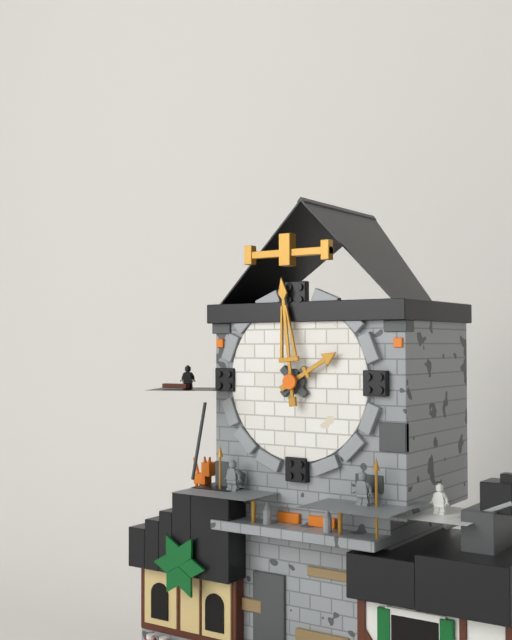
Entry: 1 h 59 min
